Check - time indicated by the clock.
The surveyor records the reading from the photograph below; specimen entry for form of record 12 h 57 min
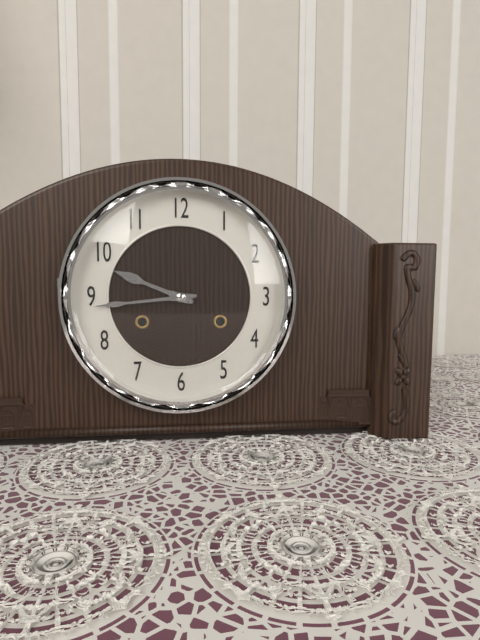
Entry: 9 h 44 min
